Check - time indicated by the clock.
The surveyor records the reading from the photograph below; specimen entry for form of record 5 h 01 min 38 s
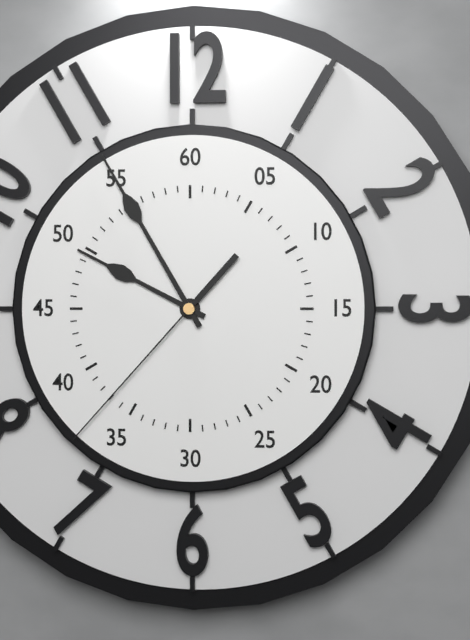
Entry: 9 h 55 min 37 s
